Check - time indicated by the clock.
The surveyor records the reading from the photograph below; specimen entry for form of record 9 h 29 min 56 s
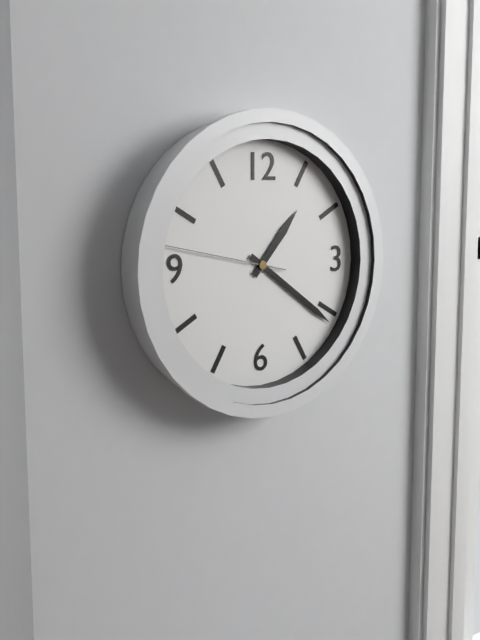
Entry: 1 h 21 min 47 s
